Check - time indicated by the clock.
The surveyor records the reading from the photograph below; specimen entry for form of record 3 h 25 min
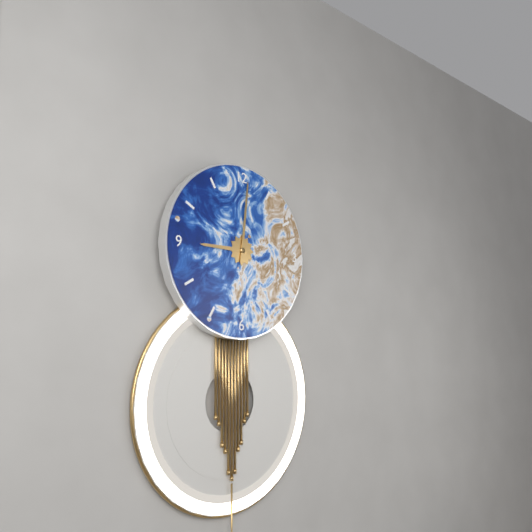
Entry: 9 h 01 min
